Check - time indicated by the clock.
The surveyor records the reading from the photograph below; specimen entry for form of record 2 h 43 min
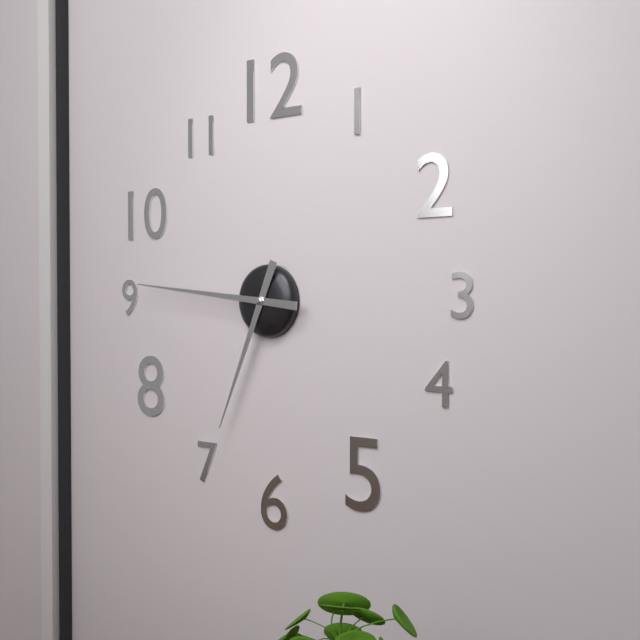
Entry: 6 h 46 min
